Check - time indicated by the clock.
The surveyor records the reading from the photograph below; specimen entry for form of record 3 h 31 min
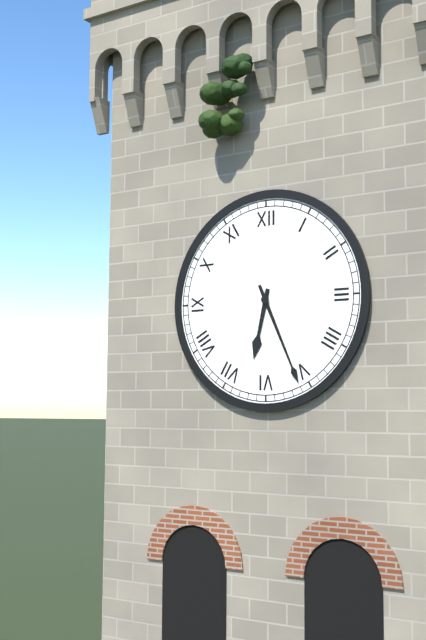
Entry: 6 h 26 min
